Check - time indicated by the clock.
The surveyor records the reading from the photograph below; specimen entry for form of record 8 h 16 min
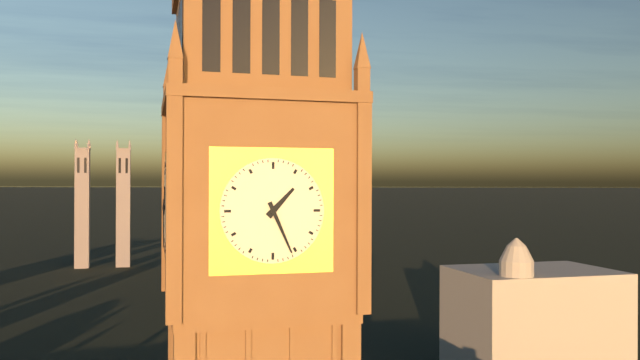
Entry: 1 h 26 min
